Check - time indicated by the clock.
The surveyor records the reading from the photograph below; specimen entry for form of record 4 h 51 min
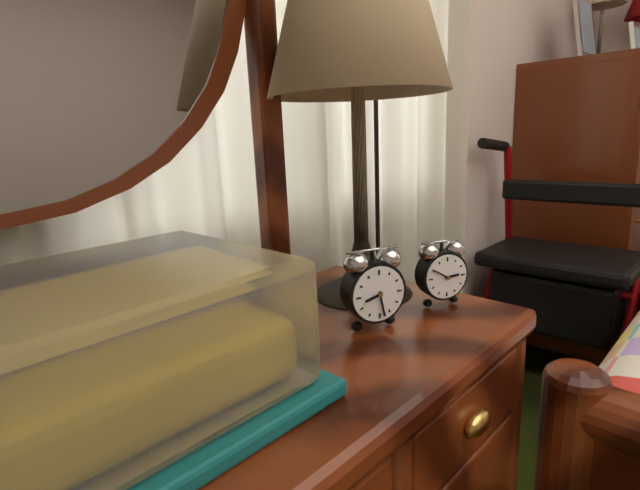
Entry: 8 h 28 min
